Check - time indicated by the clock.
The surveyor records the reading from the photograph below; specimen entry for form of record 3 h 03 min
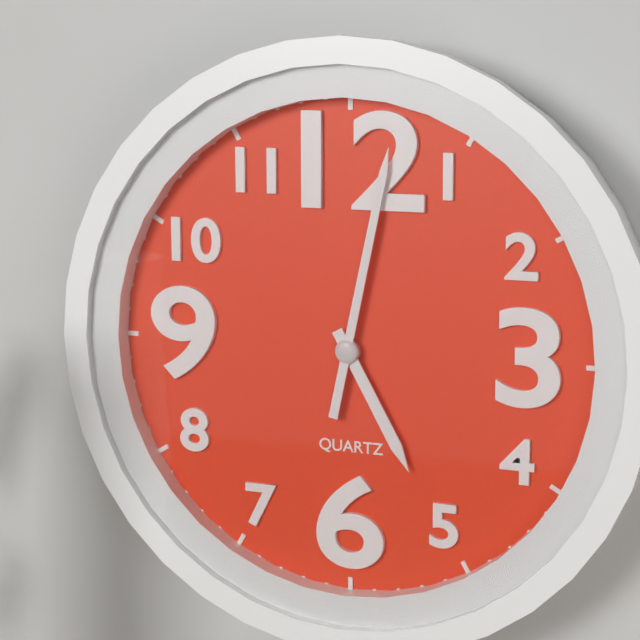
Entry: 5 h 02 min
